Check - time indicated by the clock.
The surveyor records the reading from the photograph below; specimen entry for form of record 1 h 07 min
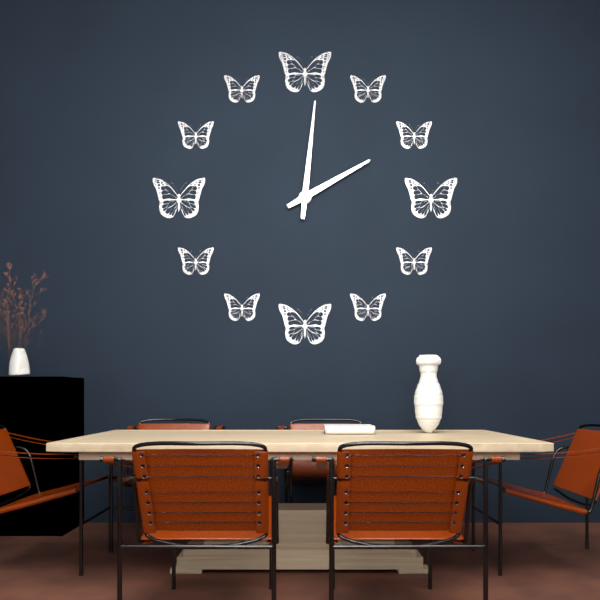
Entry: 2 h 01 min
